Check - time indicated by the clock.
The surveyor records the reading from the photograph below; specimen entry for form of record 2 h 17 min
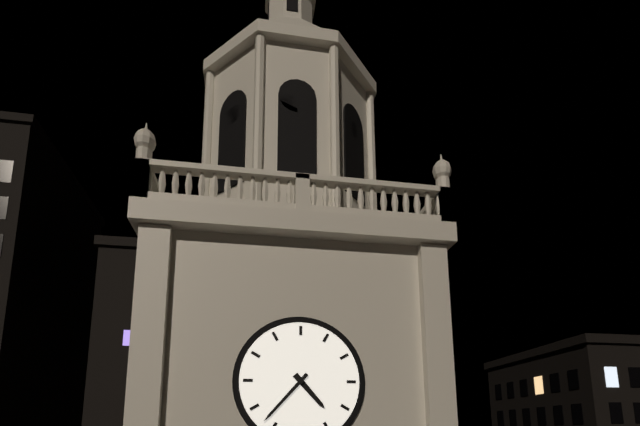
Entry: 4 h 37 min
